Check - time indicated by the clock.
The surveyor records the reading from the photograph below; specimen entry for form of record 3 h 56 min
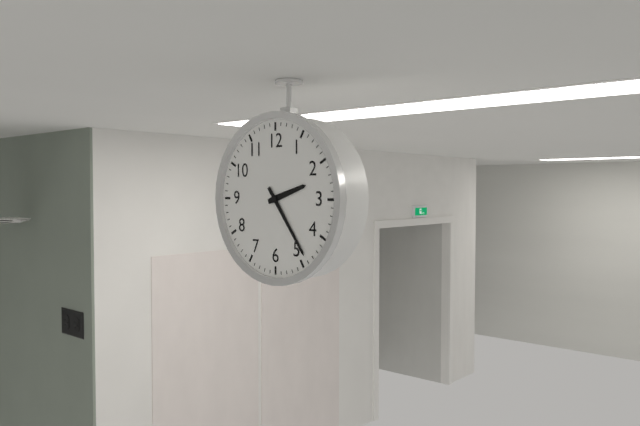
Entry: 2 h 24 min
